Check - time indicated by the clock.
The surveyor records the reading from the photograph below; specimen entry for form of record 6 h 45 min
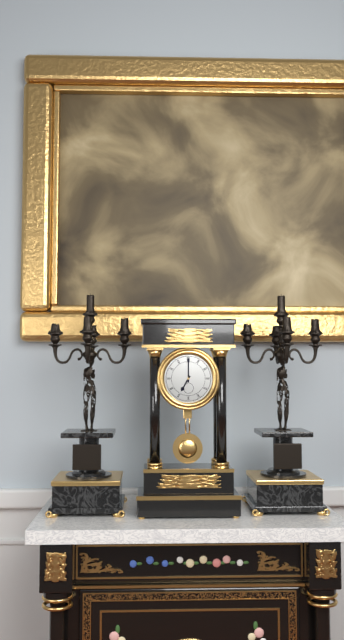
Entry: 7 h 00 min
